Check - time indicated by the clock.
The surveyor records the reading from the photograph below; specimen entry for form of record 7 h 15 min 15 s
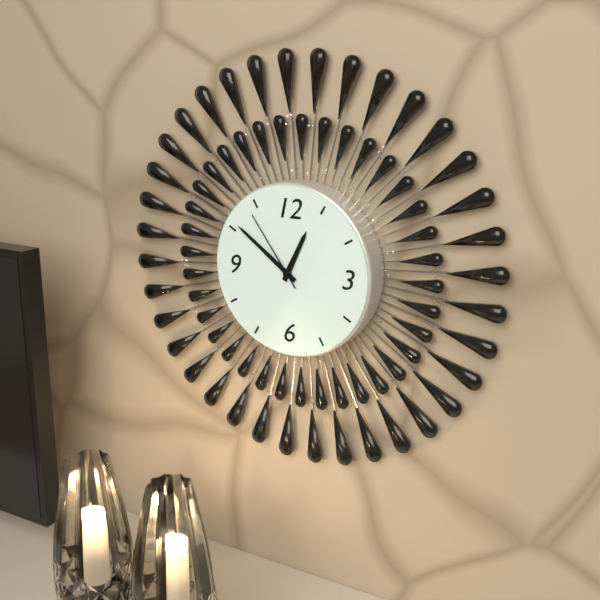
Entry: 12 h 51 min 54 s
